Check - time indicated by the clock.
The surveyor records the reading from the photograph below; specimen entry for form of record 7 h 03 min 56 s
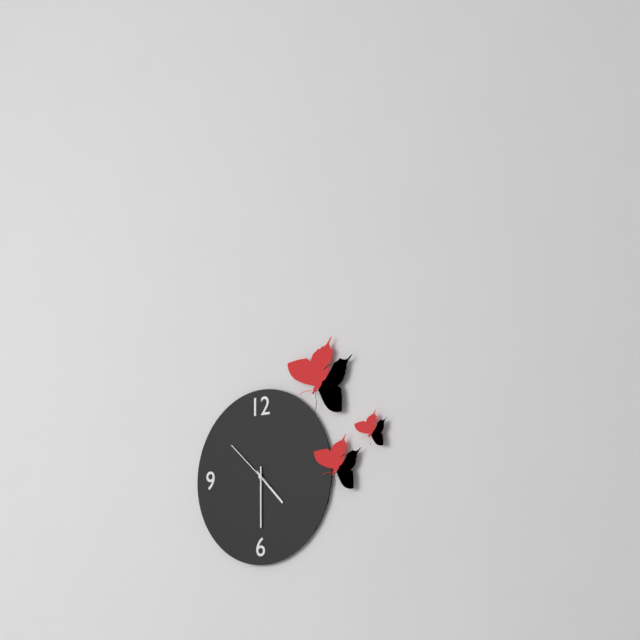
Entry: 4 h 30 min 52 s
